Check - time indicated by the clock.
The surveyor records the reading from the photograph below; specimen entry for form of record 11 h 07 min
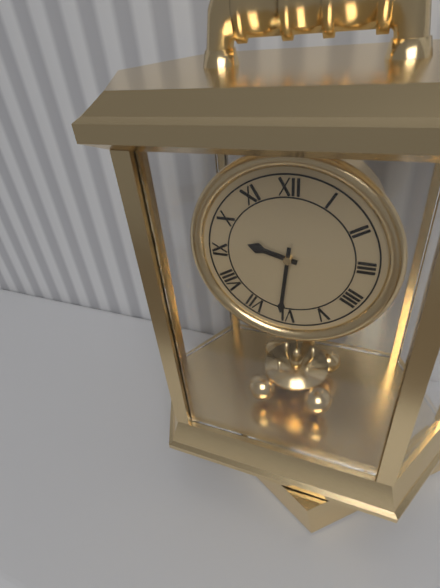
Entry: 9 h 31 min
